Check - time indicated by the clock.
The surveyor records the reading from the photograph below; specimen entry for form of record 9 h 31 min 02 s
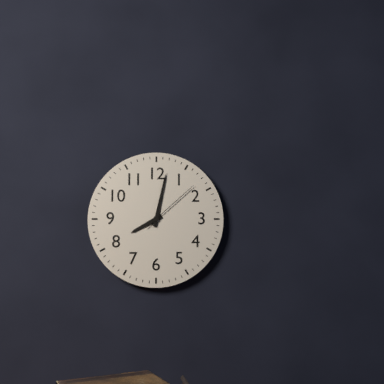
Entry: 8 h 02 min 08 s
